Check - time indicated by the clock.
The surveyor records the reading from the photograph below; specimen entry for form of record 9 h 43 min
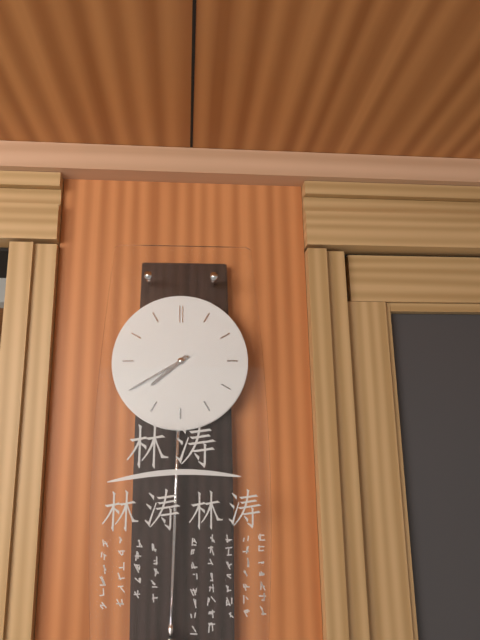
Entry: 7 h 40 min
